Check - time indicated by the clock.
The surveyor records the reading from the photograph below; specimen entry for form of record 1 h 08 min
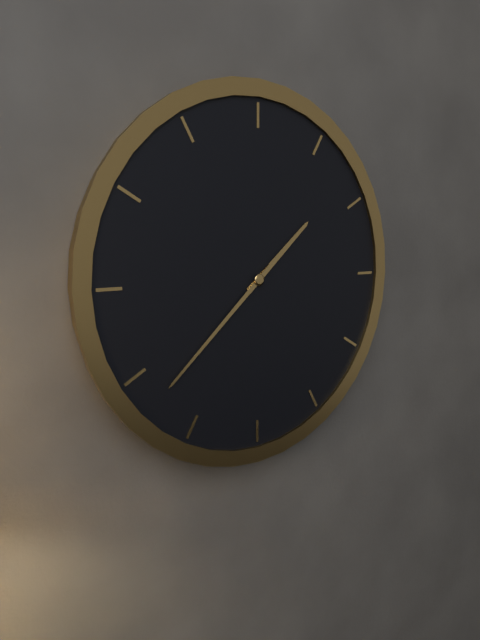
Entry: 1 h 38 min
